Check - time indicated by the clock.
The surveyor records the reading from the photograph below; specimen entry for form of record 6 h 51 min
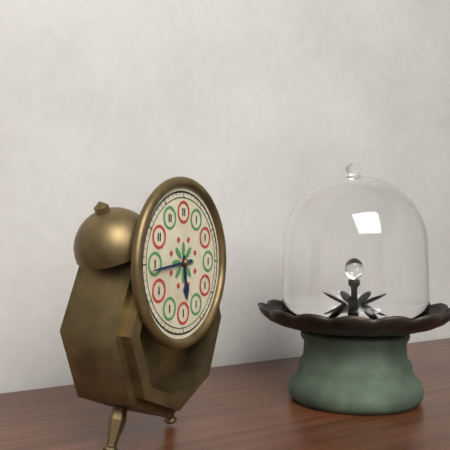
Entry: 5 h 44 min
